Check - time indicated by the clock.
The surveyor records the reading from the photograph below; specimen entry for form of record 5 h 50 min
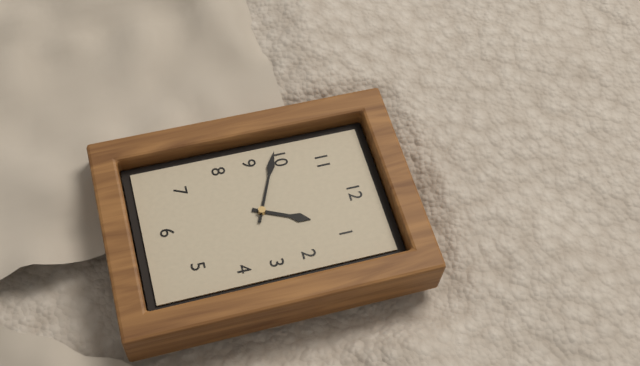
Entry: 12 h 49 min
